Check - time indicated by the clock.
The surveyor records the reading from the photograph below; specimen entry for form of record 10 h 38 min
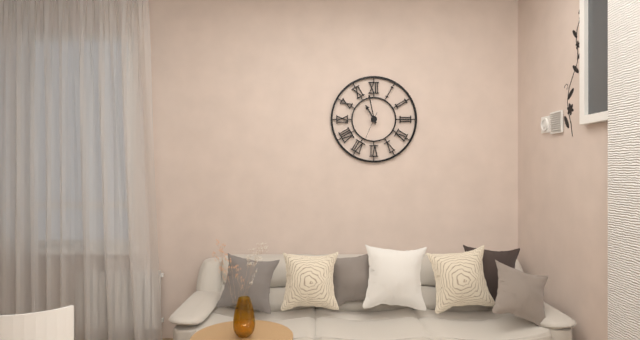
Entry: 10 h 58 min
